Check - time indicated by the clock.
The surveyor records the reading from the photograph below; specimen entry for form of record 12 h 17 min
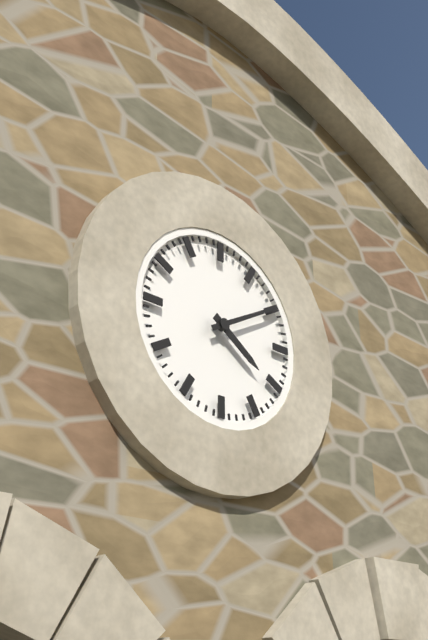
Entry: 4 h 10 min
